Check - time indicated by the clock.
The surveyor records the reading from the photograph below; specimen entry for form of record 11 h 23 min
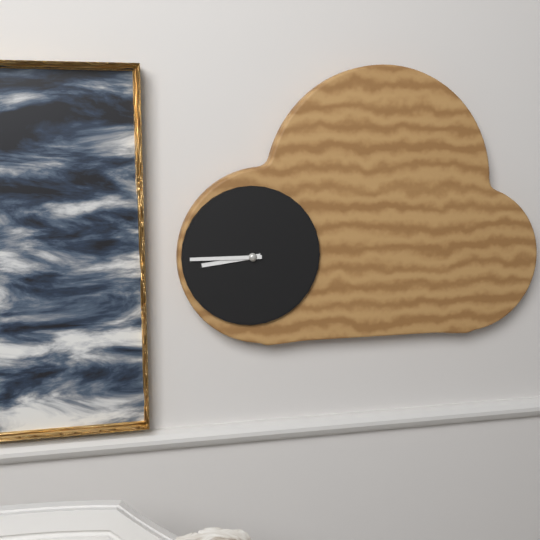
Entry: 8 h 45 min
